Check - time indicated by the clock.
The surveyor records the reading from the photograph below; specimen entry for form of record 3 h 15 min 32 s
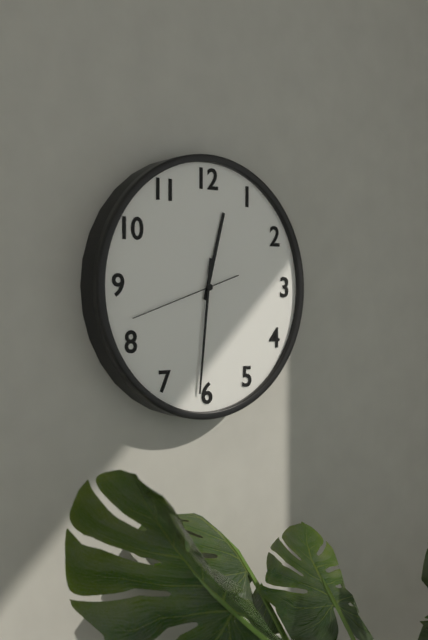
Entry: 12 h 31 min 42 s
